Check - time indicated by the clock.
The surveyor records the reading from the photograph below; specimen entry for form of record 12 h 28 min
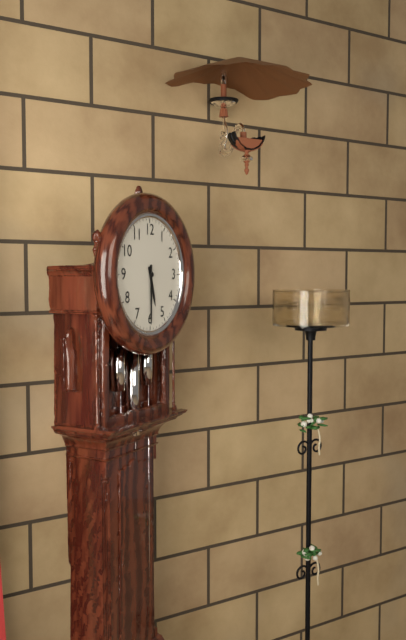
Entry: 5 h 30 min
